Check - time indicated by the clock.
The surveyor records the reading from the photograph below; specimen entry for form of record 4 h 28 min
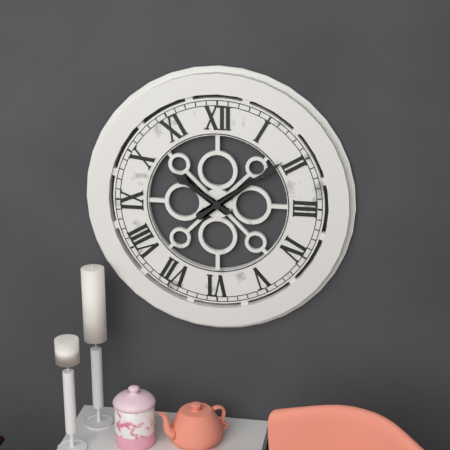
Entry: 10 h 09 min
